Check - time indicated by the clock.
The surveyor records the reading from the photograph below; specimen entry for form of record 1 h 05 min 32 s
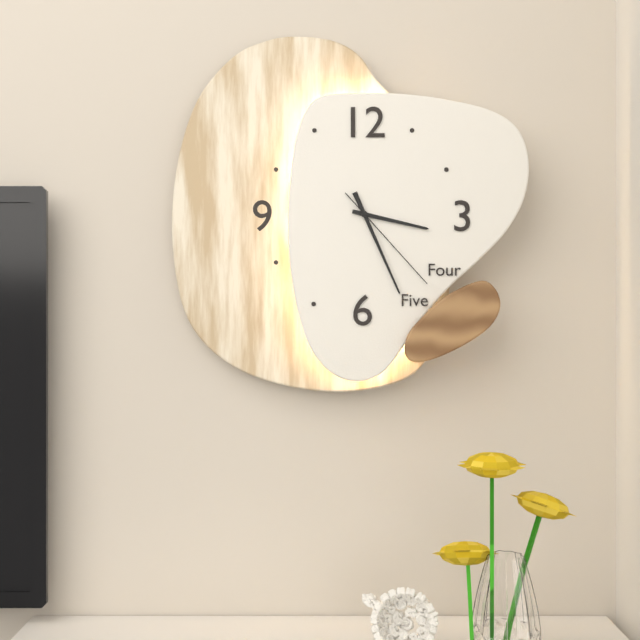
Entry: 3 h 26 min 23 s
